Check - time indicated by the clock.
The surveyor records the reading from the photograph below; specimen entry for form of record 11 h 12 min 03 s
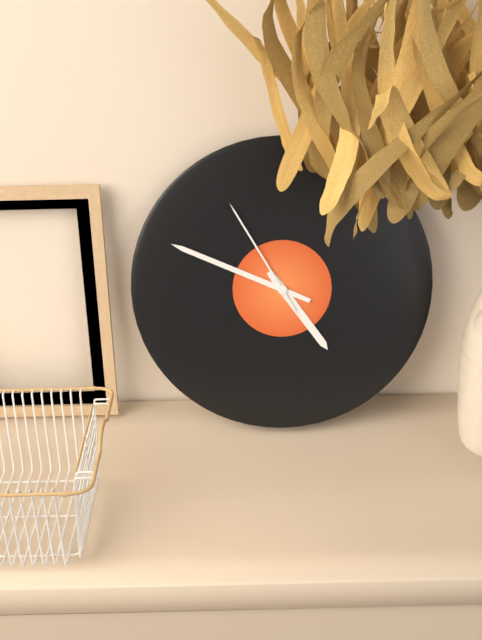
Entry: 4 h 49 min 55 s
